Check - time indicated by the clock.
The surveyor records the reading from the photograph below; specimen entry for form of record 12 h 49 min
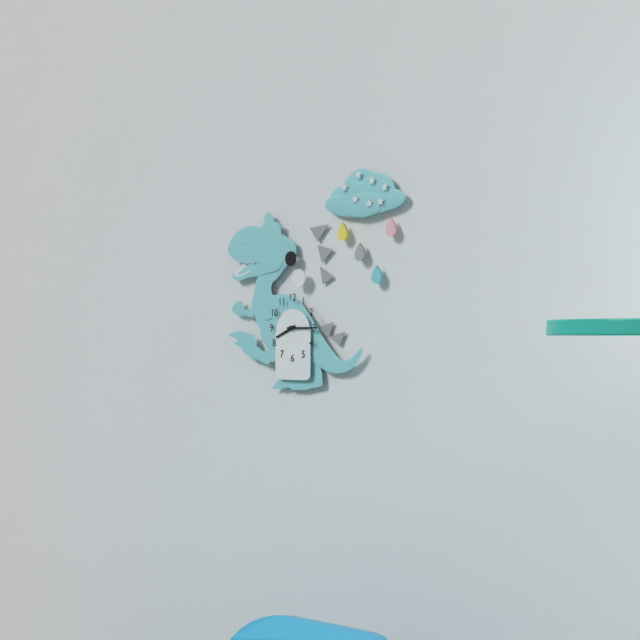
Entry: 8 h 15 min
